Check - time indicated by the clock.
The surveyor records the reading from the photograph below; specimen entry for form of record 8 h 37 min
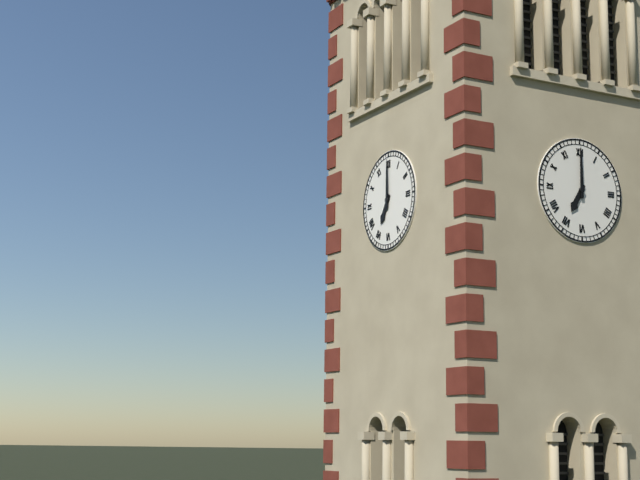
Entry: 7 h 00 min
